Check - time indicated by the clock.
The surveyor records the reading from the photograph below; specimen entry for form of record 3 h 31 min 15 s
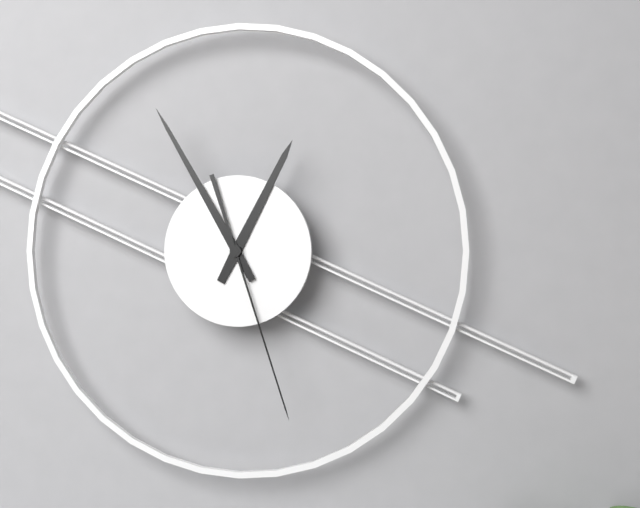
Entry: 12 h 55 min 27 s
